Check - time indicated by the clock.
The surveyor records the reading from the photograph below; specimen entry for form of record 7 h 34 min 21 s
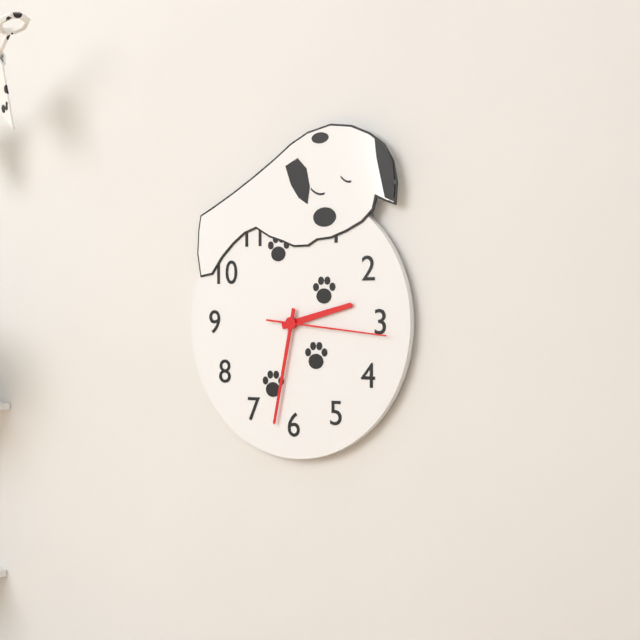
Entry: 2 h 32 min 16 s
